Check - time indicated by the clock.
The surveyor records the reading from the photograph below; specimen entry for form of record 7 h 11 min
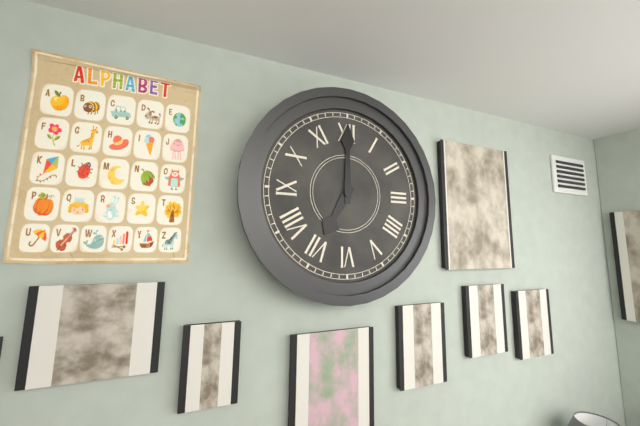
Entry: 7 h 00 min
